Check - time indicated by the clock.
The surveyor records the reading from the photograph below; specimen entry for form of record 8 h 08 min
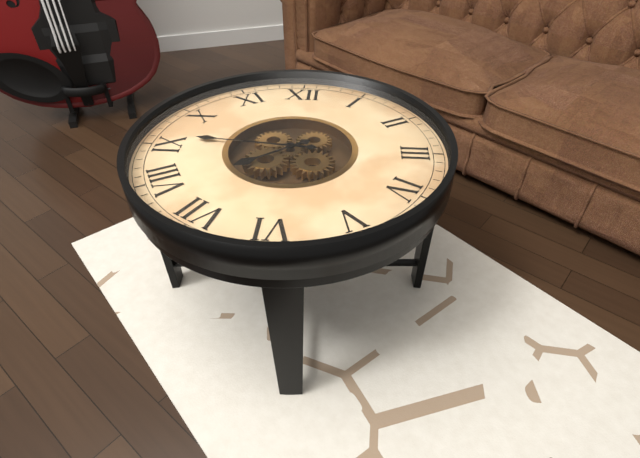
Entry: 7 h 46 min
